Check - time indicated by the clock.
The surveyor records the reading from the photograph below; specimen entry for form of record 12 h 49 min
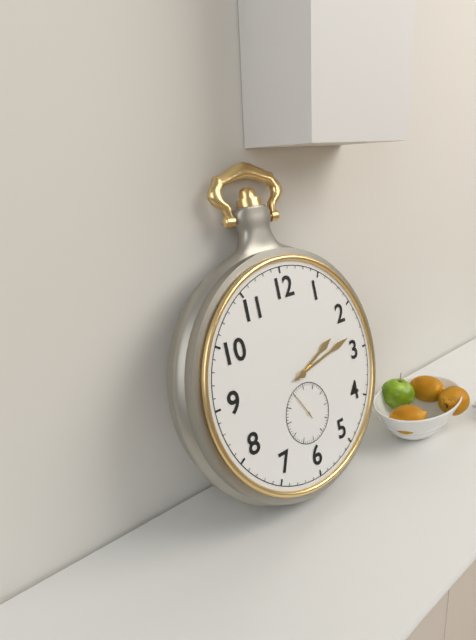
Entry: 2 h 13 min
